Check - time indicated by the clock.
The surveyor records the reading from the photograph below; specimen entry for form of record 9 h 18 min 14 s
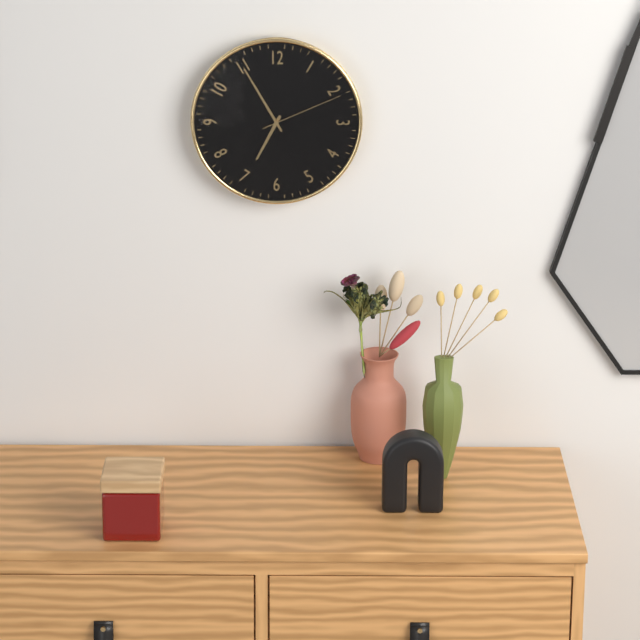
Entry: 6 h 55 min 11 s
